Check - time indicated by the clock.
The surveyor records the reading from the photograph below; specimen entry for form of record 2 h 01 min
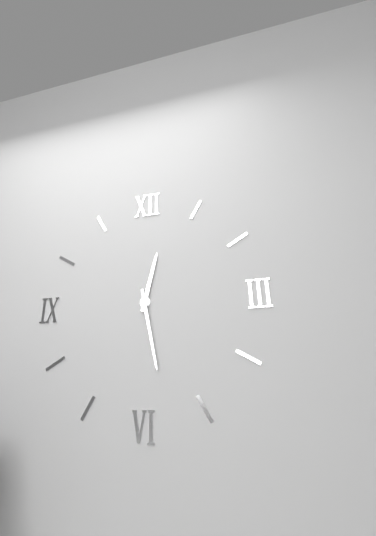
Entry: 12 h 28 min
